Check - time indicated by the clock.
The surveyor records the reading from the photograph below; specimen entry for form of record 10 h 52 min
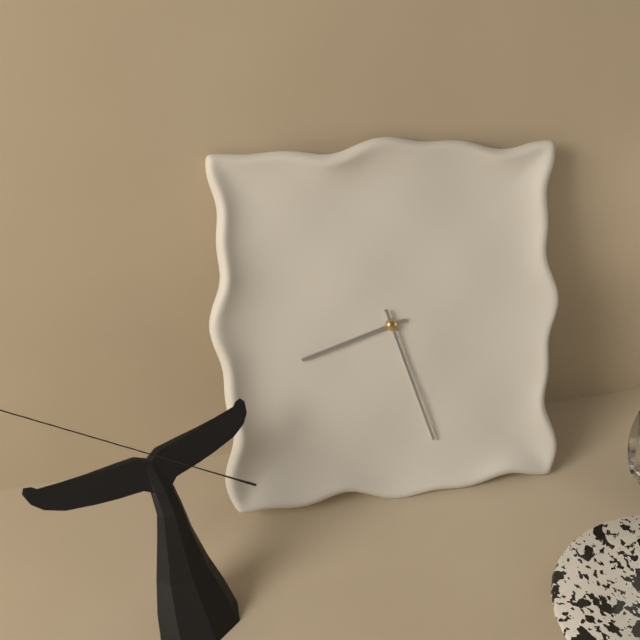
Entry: 8 h 27 min
